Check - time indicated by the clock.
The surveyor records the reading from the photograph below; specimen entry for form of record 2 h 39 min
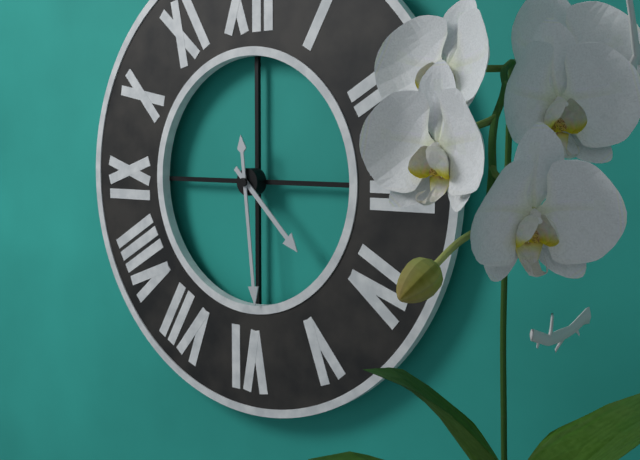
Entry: 4 h 29 min
